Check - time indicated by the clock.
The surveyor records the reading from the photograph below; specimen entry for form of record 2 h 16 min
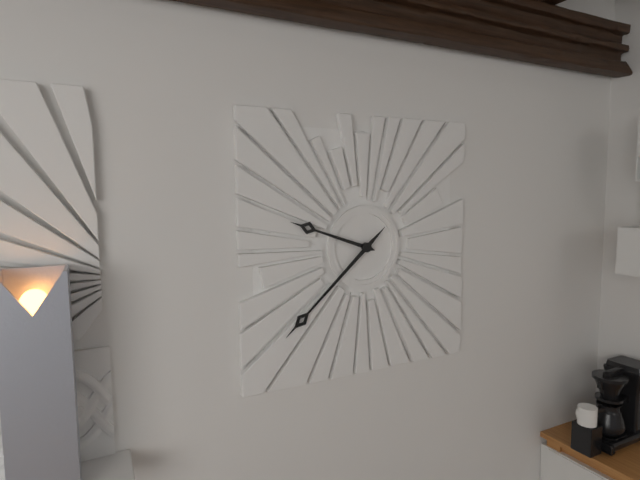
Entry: 9 h 38 min
